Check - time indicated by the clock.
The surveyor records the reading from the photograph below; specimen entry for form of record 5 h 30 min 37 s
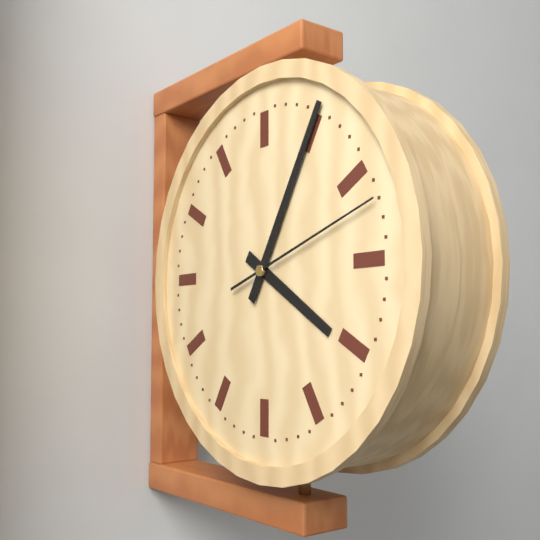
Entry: 4 h 05 min 12 s
